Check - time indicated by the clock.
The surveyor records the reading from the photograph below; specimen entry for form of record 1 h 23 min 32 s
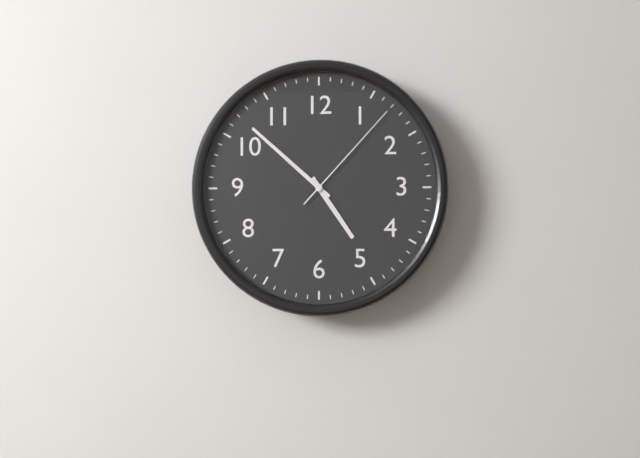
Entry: 4 h 52 min 07 s
